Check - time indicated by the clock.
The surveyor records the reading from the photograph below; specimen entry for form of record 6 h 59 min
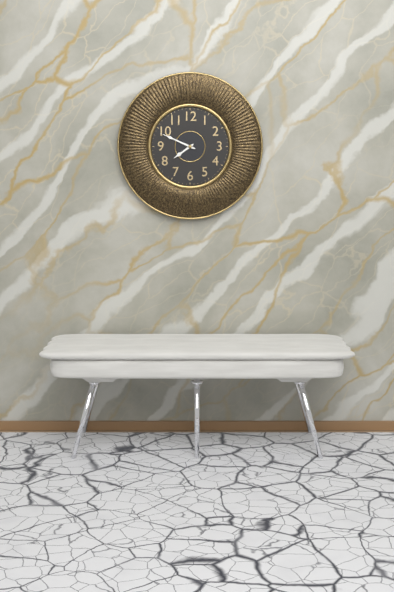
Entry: 7 h 49 min
